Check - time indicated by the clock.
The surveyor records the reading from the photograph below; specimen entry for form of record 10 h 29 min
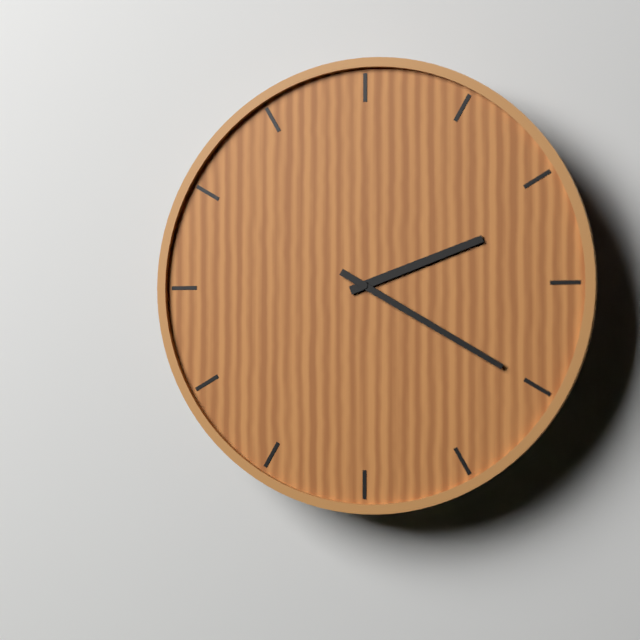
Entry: 2 h 20 min
